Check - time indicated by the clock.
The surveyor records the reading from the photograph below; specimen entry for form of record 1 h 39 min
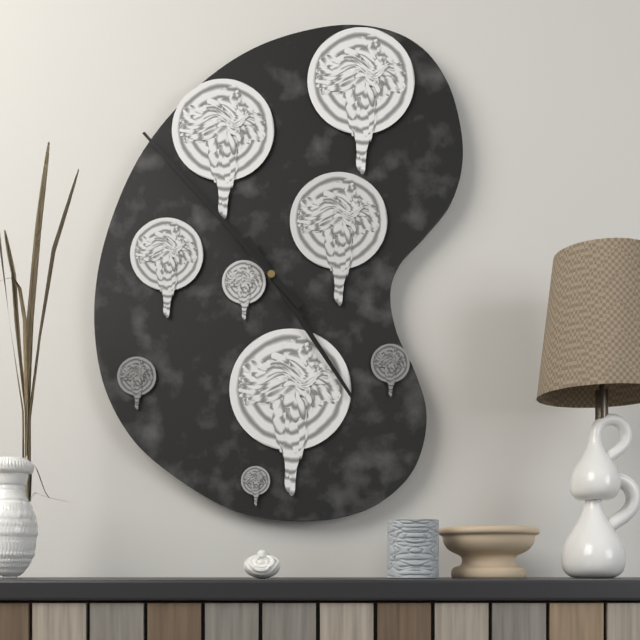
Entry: 4 h 53 min
